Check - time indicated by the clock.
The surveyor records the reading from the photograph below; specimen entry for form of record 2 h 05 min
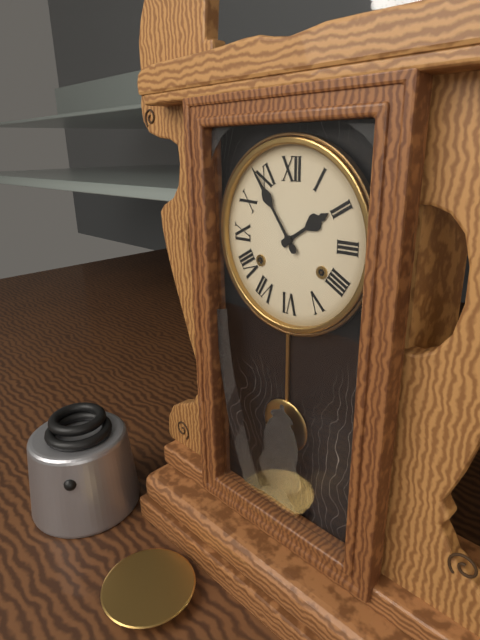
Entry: 1 h 54 min
